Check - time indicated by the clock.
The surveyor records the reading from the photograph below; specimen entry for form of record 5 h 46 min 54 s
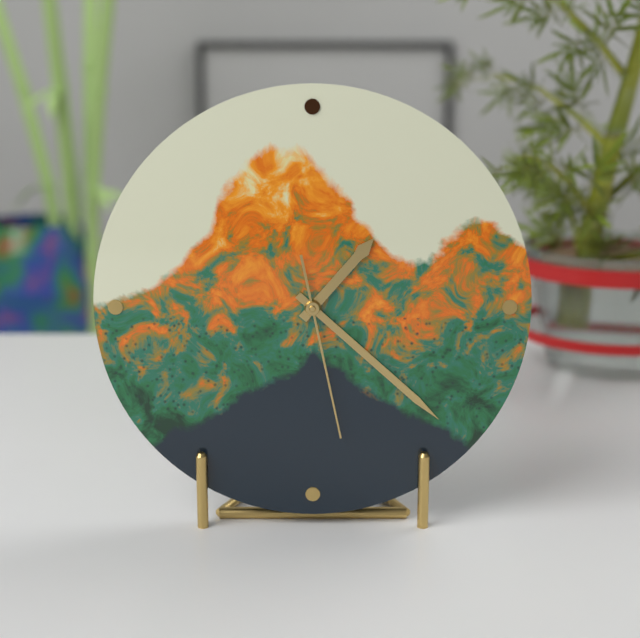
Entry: 1 h 22 min 28 s
